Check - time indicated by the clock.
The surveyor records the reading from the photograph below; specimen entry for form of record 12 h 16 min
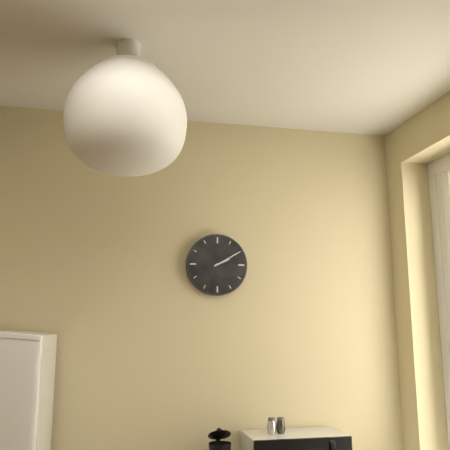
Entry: 2 h 10 min
